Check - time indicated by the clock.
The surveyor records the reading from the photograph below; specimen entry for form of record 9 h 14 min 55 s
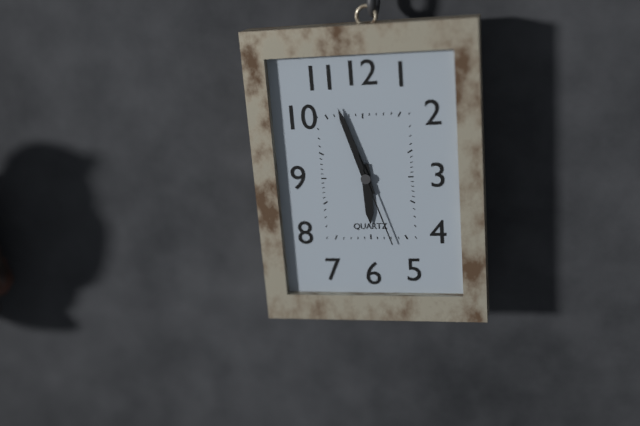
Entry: 5 h 57 min 27 s
